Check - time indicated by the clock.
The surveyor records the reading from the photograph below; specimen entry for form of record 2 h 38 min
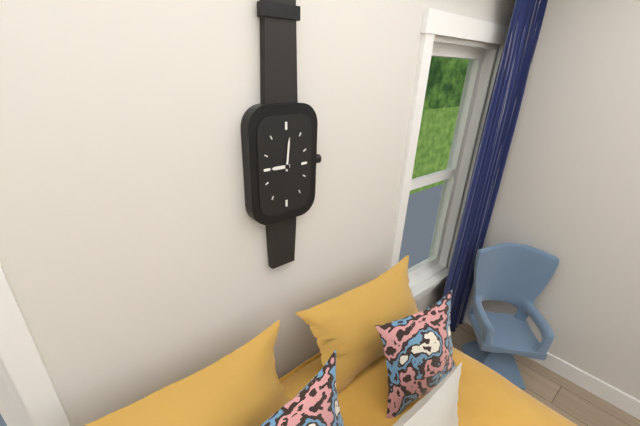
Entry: 9 h 01 min
